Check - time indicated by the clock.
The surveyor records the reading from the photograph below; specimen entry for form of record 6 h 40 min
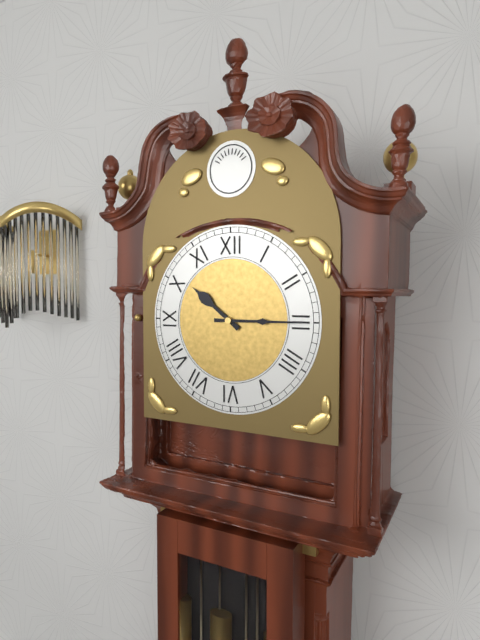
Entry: 10 h 15 min
